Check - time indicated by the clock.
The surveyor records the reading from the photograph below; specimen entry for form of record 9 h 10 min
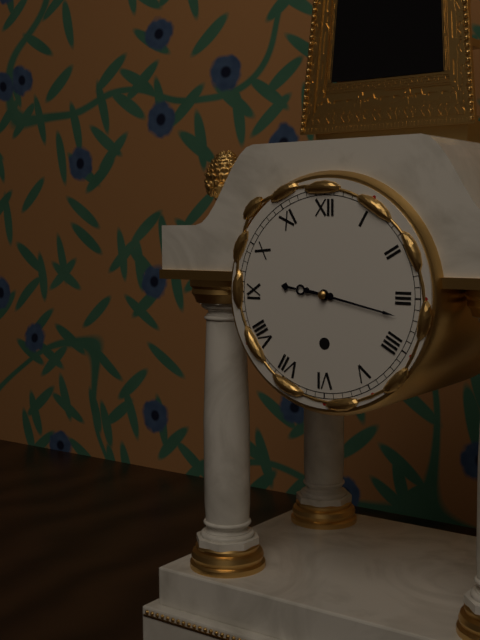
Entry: 9 h 17 min
